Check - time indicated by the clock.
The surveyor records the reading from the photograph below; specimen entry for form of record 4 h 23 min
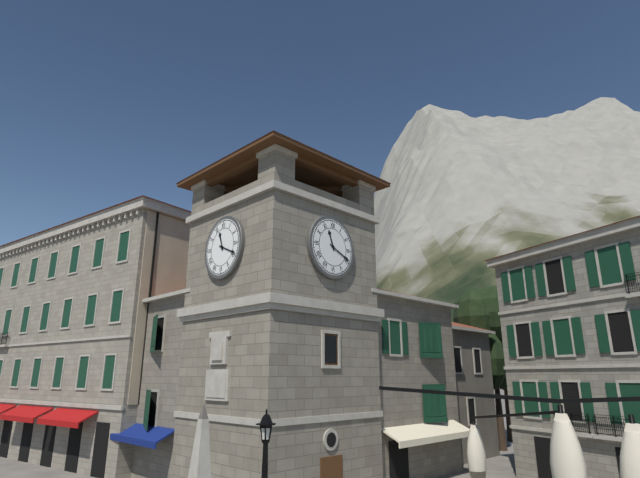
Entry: 11 h 19 min
